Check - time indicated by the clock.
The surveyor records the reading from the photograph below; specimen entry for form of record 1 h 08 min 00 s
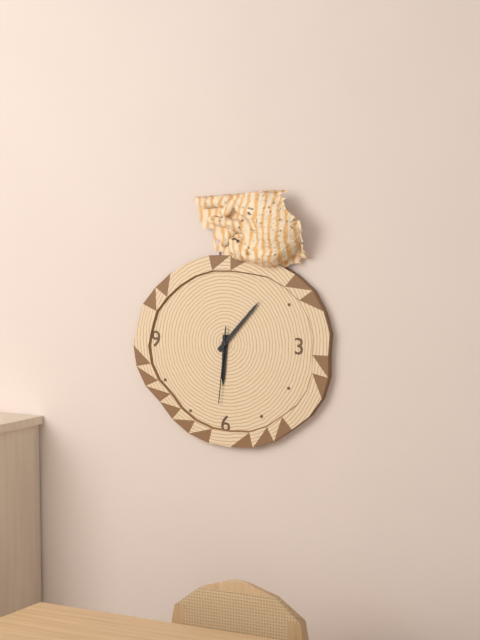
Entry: 6 h 07 min 31 s
